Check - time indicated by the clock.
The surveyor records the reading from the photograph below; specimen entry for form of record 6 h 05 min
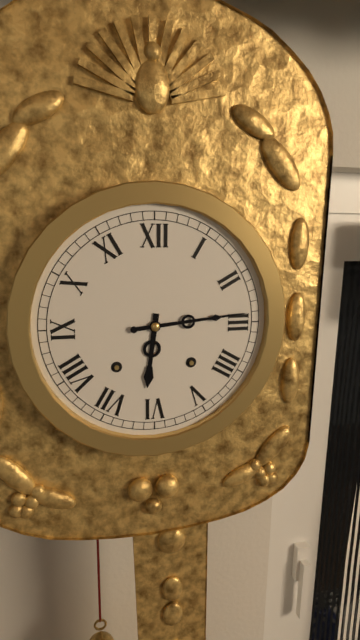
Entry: 6 h 14 min
